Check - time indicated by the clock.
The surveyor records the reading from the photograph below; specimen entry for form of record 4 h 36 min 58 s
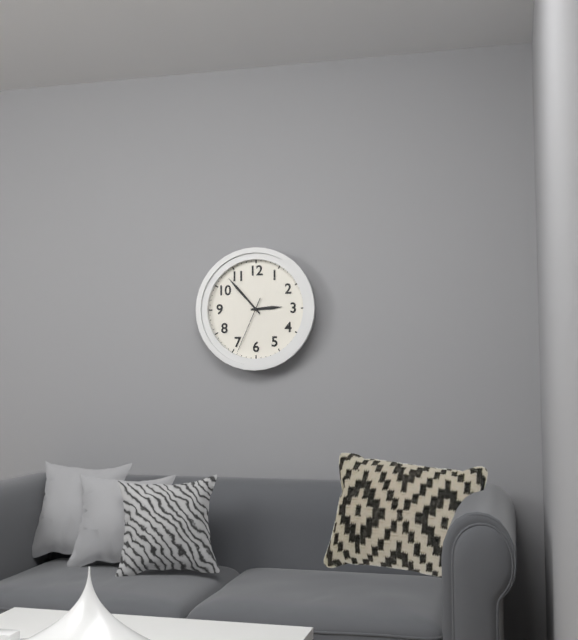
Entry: 2 h 53 min 34 s
